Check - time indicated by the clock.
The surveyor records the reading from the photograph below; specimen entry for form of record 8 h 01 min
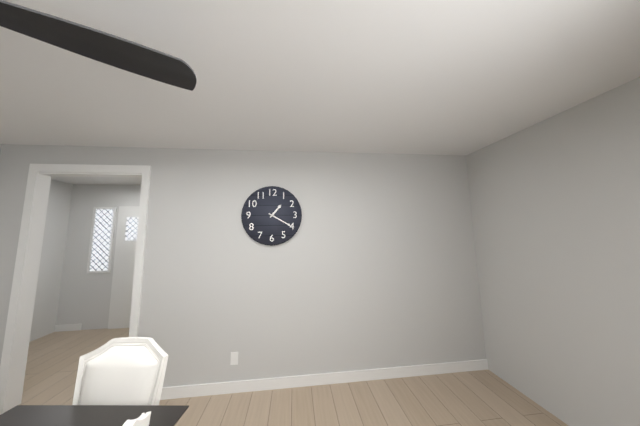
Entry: 1 h 20 min
